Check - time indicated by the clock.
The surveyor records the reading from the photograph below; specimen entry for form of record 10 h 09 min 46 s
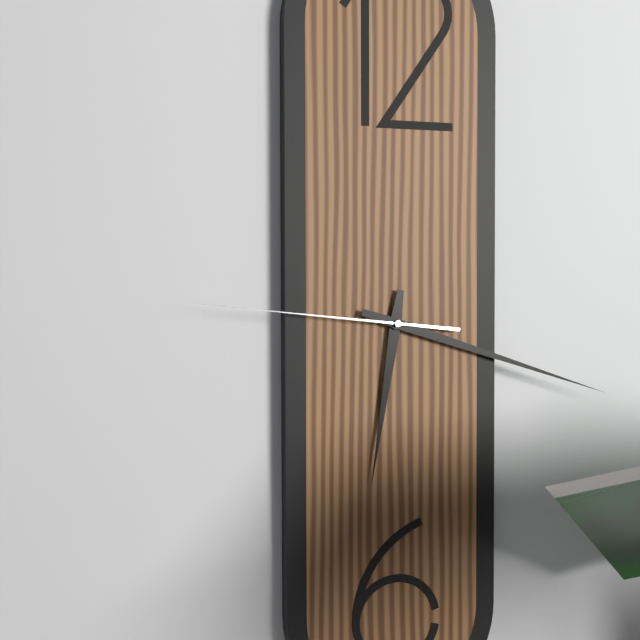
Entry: 6 h 18 min 46 s
